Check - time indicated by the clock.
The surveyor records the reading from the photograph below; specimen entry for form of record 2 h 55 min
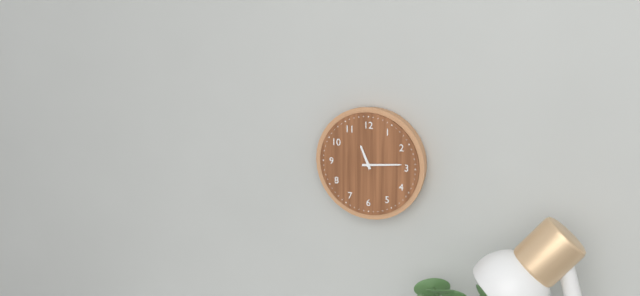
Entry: 11 h 14 min
